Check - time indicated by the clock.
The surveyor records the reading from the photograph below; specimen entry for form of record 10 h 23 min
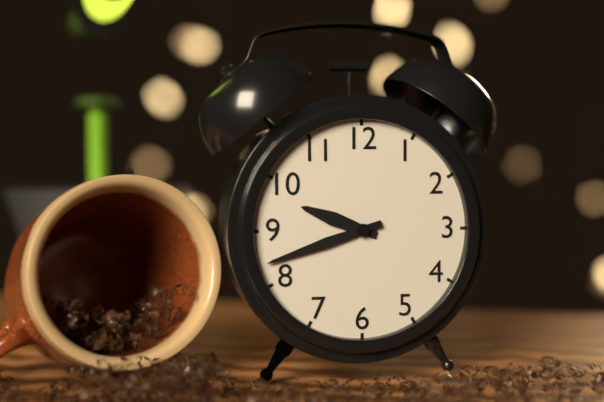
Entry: 9 h 42 min
